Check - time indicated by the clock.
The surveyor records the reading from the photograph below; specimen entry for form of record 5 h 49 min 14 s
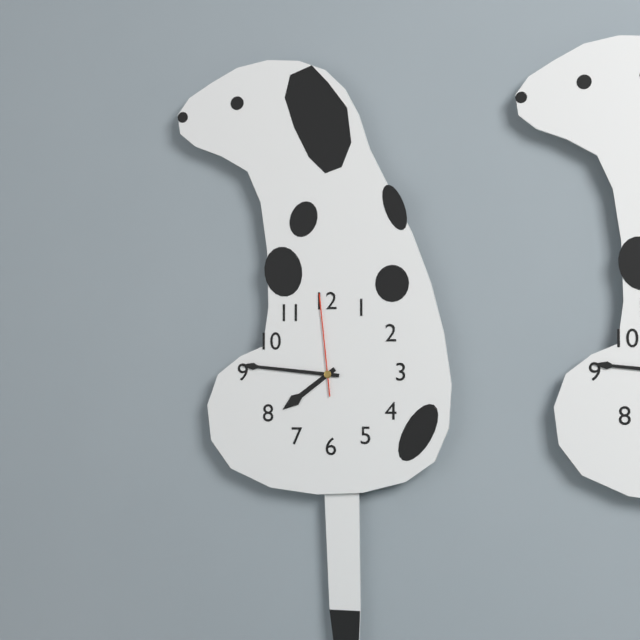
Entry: 7 h 46 min 59 s
